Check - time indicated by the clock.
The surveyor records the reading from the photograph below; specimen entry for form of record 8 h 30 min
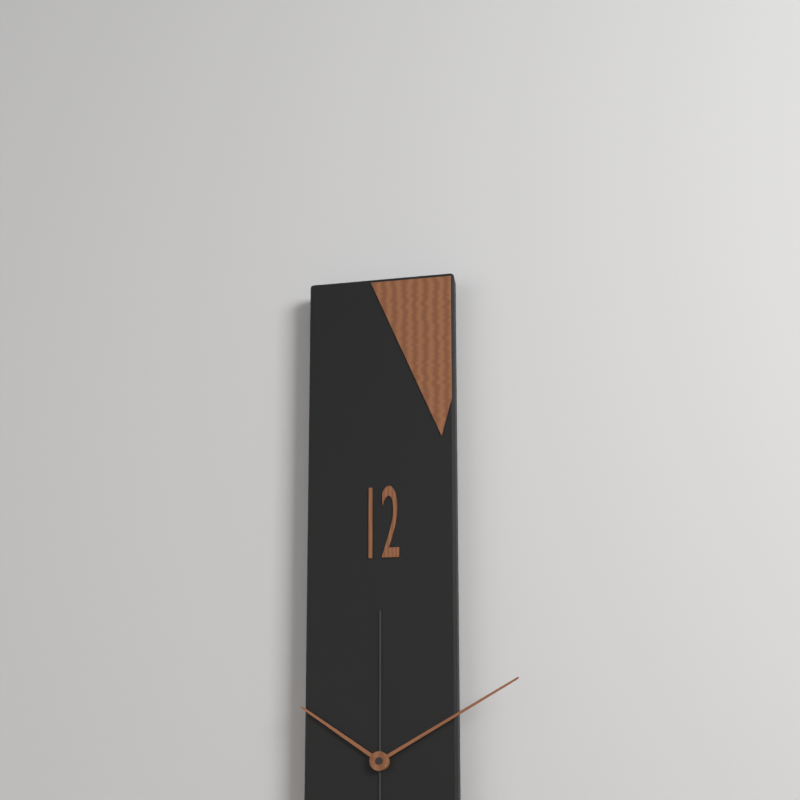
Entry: 10 h 10 min
